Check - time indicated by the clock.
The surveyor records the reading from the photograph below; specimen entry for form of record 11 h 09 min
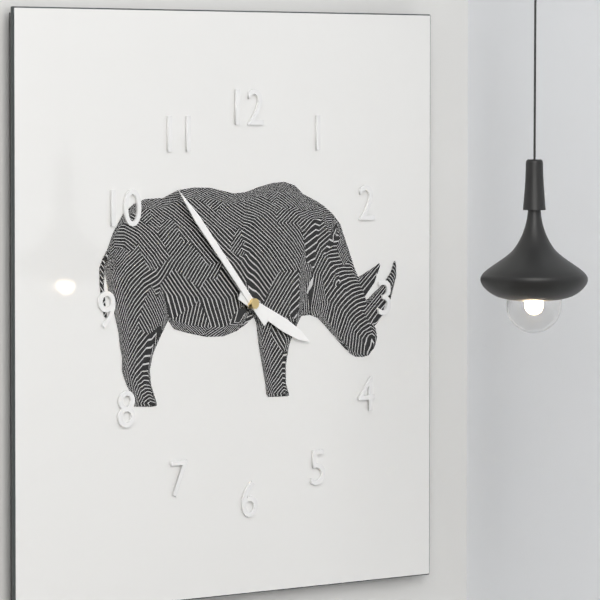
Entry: 3 h 53 min
